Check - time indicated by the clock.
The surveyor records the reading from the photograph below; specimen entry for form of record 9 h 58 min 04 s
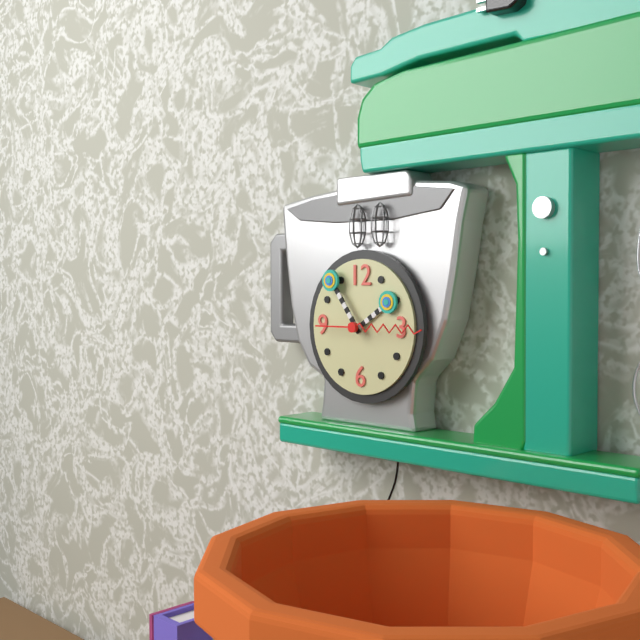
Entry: 1 h 54 min 15 s
